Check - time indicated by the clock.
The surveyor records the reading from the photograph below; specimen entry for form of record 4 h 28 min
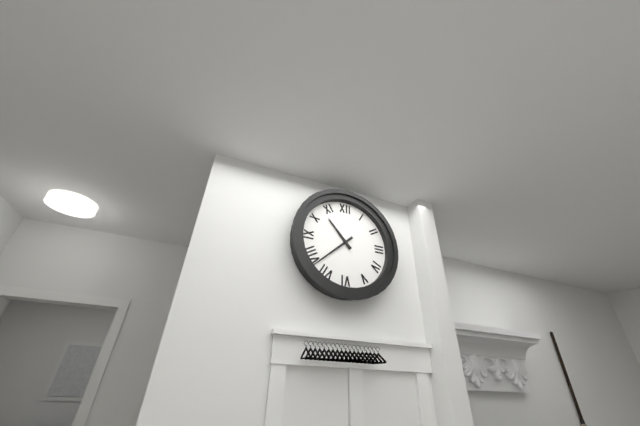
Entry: 10 h 38 min
